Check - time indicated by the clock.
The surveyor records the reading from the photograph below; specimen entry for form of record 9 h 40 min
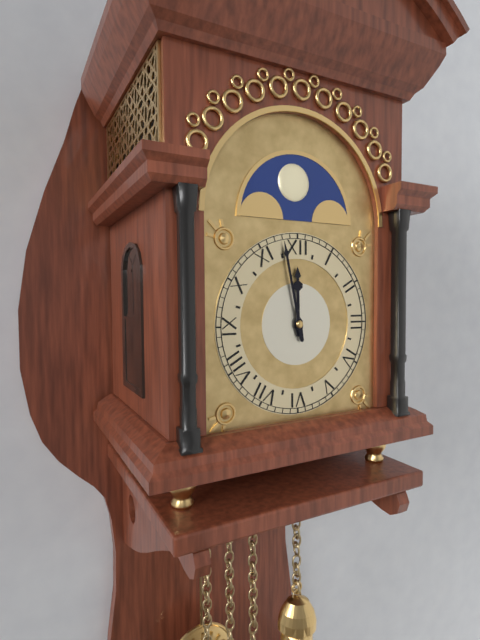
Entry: 11 h 58 min
